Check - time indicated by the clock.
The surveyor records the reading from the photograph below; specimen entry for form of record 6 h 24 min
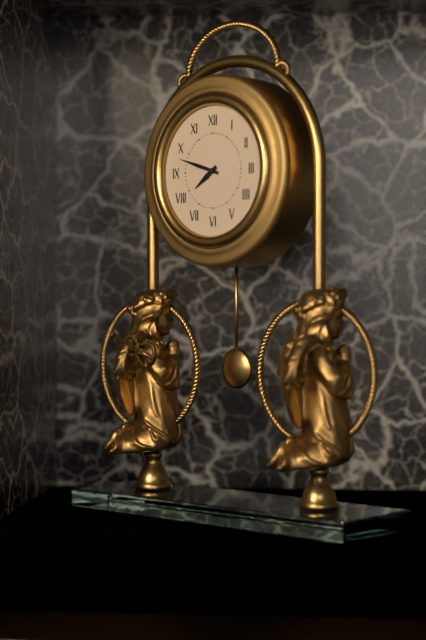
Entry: 7 h 48 min
